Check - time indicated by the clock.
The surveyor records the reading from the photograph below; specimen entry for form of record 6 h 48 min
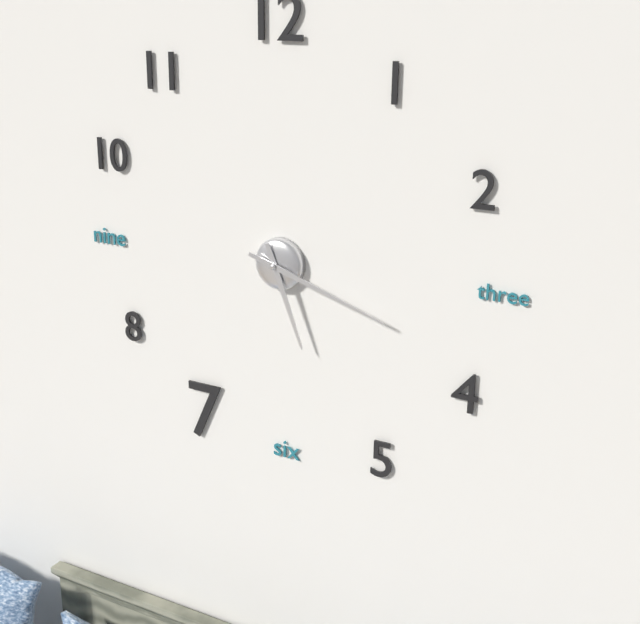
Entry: 5 h 18 min
